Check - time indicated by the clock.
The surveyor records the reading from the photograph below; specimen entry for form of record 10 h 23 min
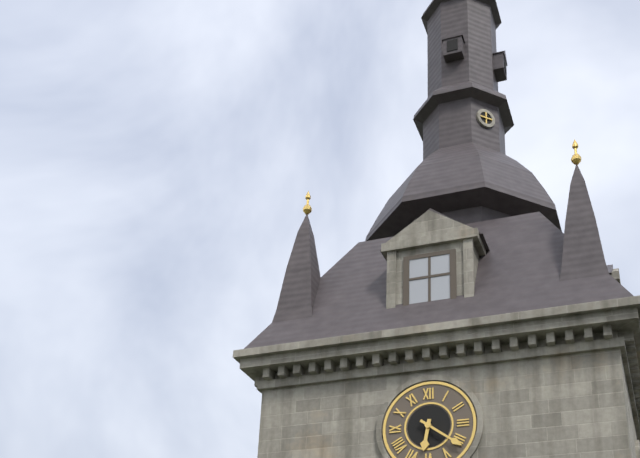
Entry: 6 h 21 min
